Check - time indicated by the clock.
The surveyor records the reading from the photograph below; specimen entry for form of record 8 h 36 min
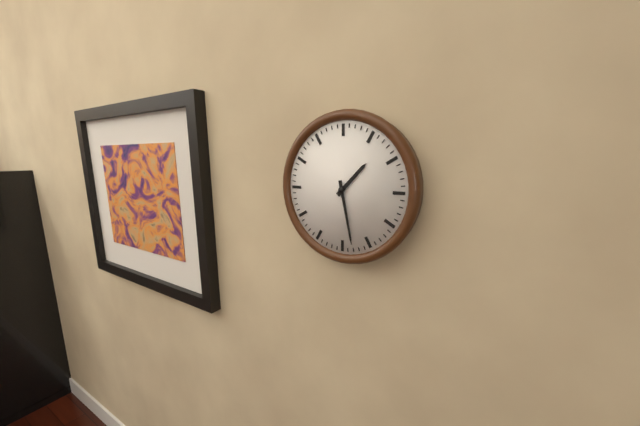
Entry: 1 h 28 min
